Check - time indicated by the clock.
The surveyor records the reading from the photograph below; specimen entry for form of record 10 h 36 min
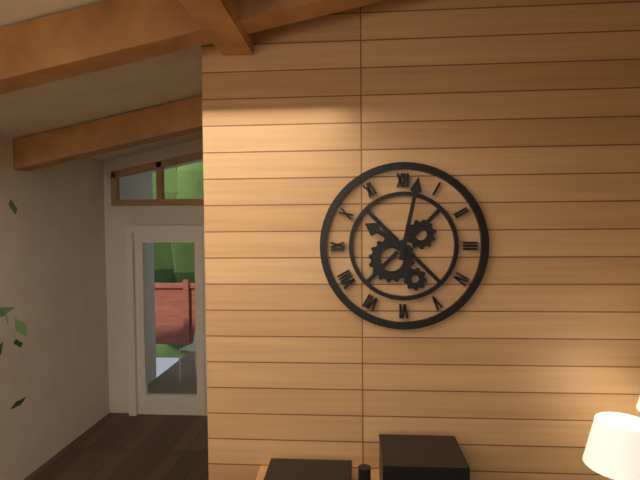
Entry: 10 h 02 min
